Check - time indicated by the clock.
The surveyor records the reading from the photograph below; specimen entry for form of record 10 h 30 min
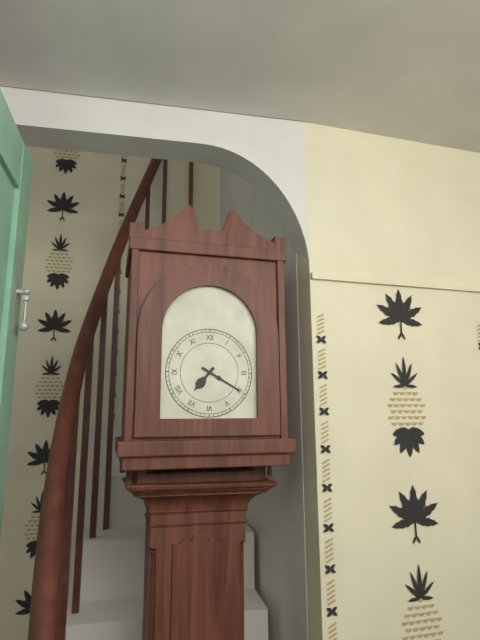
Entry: 7 h 20 min
